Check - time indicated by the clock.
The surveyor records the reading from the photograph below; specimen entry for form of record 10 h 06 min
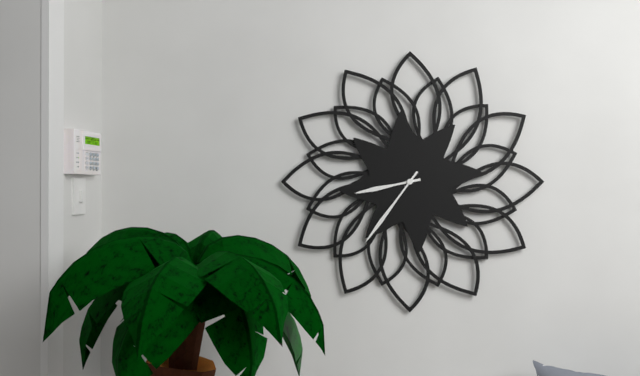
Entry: 8 h 36 min
